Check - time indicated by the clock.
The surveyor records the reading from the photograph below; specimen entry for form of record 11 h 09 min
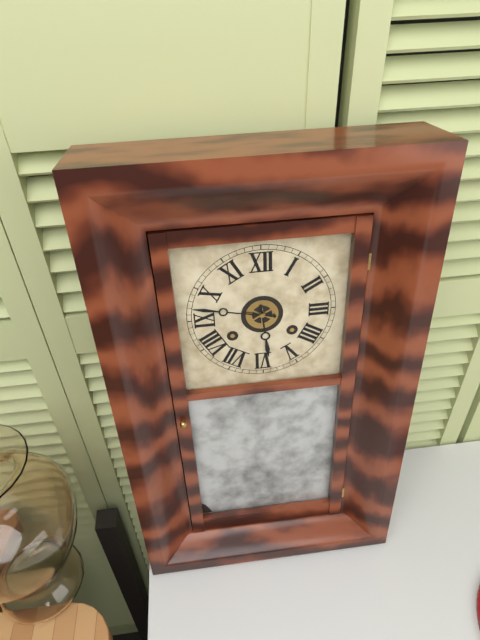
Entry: 5 h 47 min
